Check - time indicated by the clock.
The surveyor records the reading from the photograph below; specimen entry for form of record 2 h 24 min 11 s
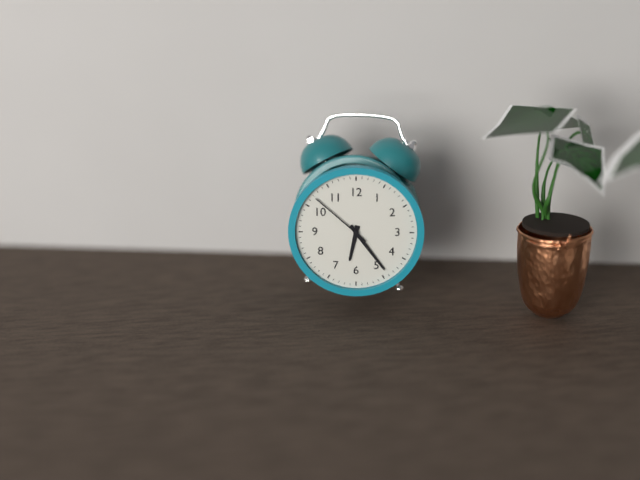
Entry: 6 h 24 min 52 s
